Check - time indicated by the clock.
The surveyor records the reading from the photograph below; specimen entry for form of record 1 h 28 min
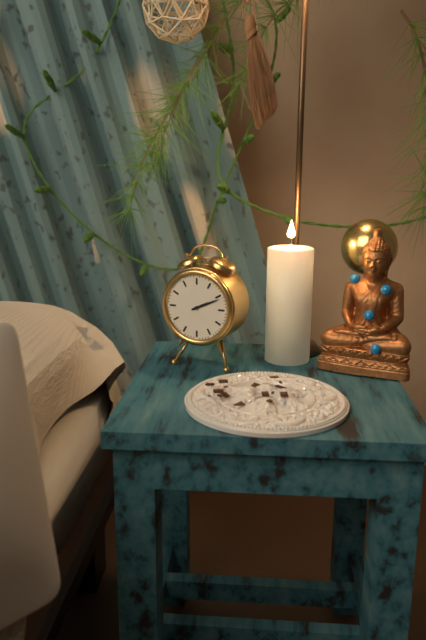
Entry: 2 h 11 min
